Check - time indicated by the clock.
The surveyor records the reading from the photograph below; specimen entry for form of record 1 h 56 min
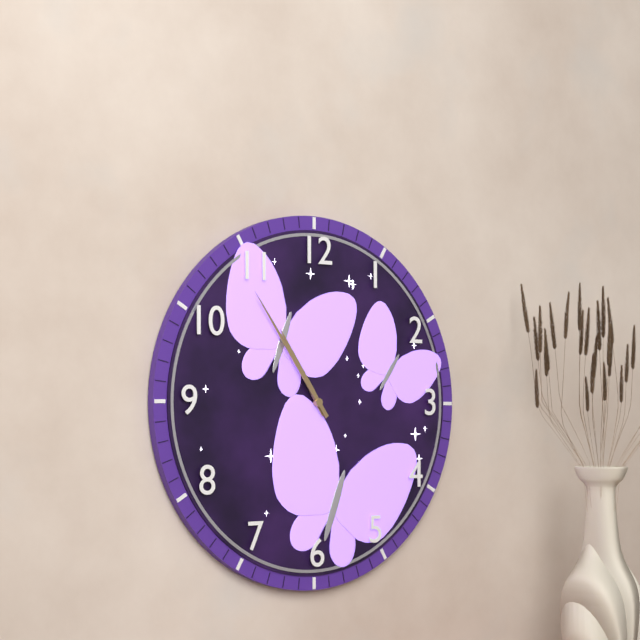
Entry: 10 h 54 min
